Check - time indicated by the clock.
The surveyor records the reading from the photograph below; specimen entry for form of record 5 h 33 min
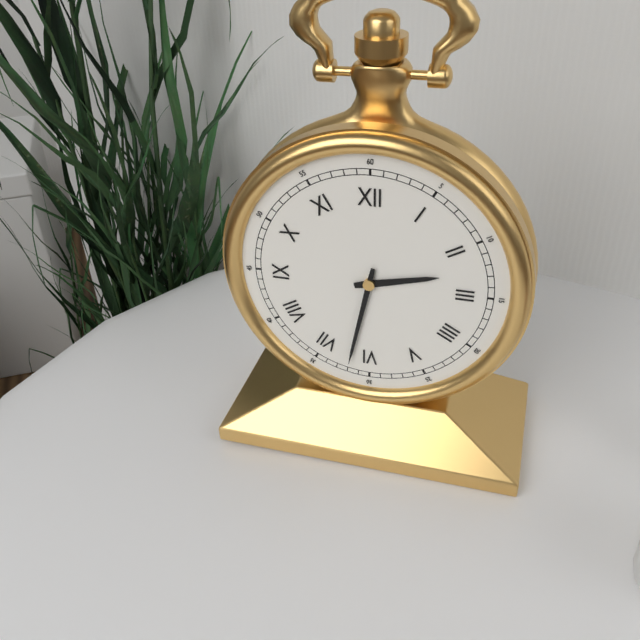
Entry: 2 h 32 min
